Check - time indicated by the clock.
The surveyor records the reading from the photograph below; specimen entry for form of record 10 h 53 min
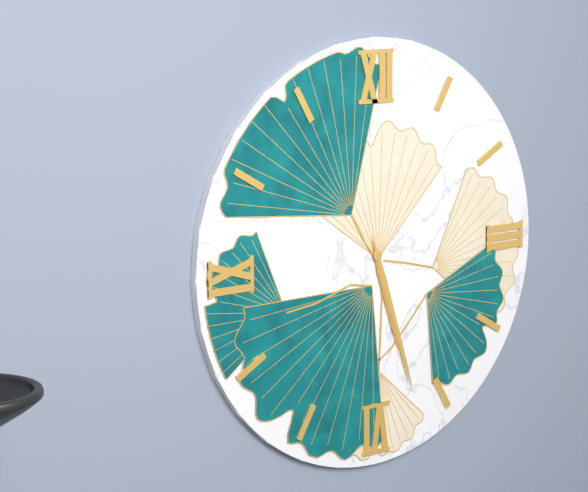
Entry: 5 h 27 min
